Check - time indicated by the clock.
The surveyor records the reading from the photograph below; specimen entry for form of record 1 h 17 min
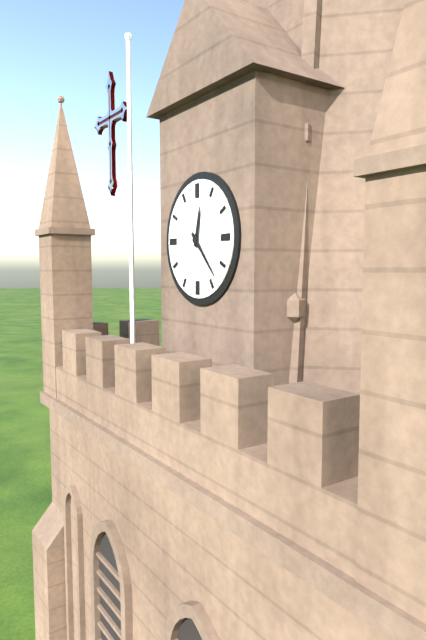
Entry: 12 h 23 min
